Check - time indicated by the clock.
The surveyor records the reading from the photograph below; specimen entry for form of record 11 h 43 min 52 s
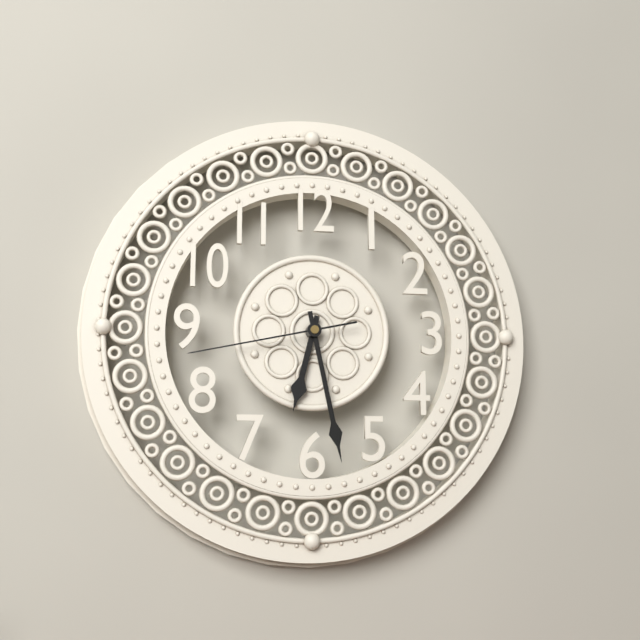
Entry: 6 h 28 min 43 s
